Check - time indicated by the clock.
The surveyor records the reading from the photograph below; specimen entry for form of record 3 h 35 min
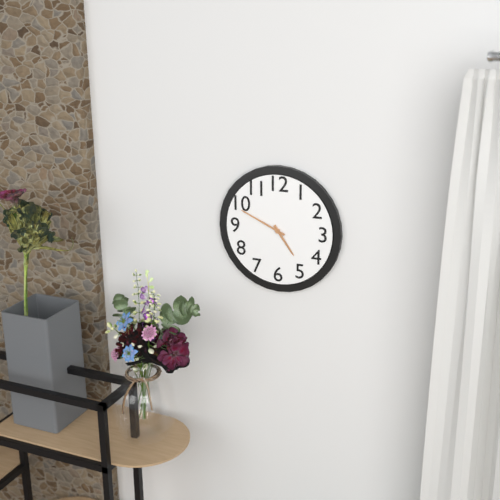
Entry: 4 h 49 min
